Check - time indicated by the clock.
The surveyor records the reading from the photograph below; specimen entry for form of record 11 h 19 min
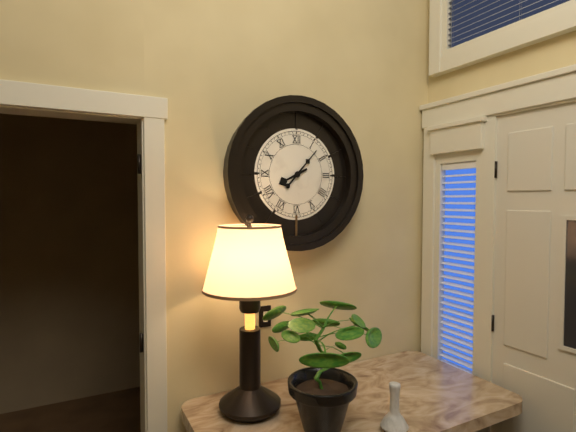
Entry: 8 h 07 min
